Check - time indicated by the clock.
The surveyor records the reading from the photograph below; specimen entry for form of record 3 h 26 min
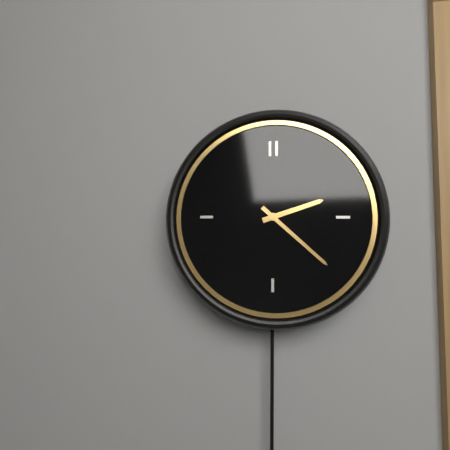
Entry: 2 h 22 min
